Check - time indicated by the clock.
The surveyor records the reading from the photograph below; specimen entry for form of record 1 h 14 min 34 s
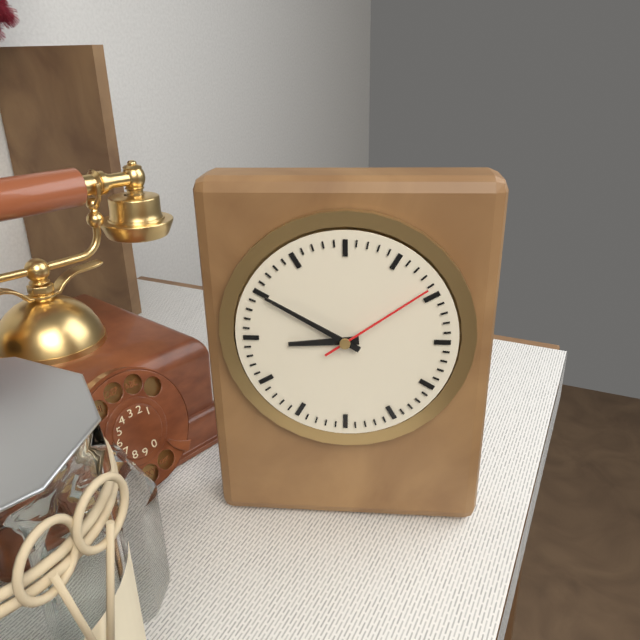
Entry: 8 h 50 min 09 s
